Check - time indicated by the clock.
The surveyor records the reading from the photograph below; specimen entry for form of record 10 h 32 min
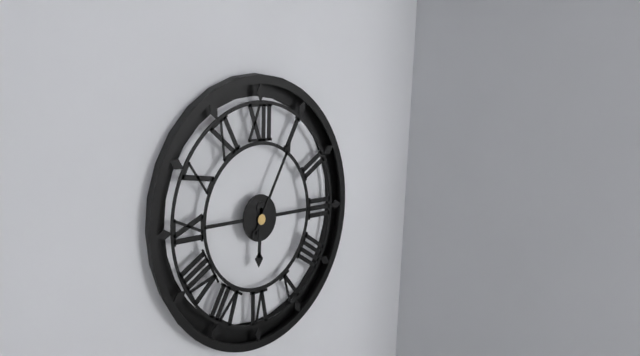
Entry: 6 h 05 min
